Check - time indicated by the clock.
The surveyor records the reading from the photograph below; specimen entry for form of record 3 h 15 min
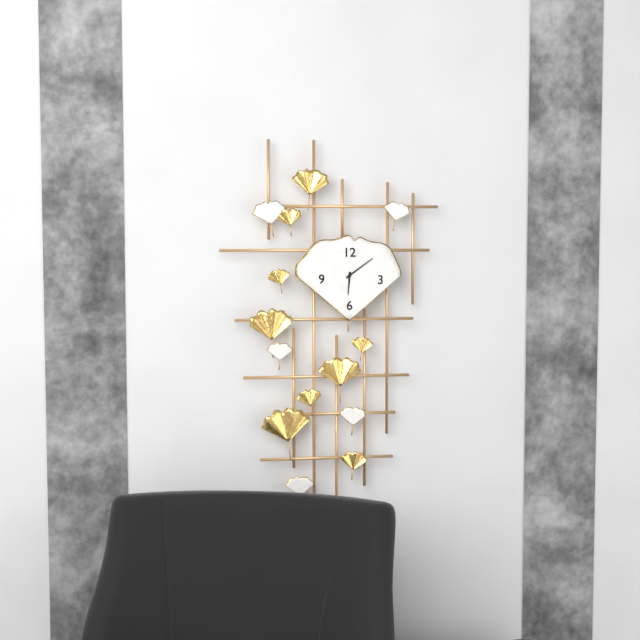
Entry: 6 h 09 min
